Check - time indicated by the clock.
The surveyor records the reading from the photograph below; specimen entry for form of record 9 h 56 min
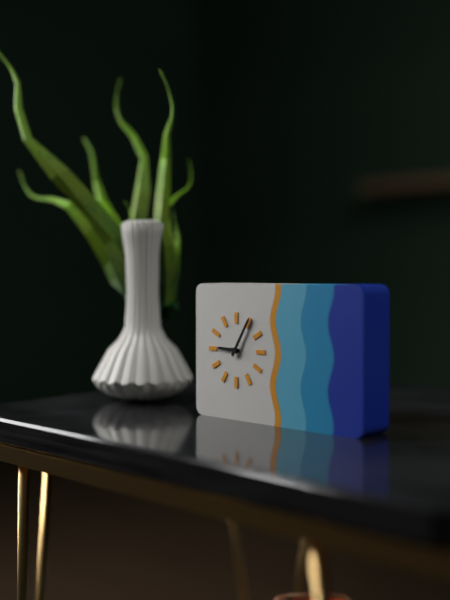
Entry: 9 h 05 min
